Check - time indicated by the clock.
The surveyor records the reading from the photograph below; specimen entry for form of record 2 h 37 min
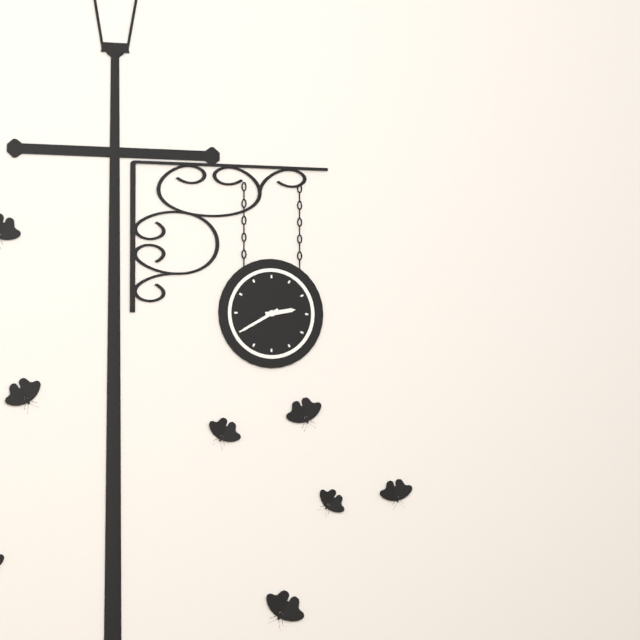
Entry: 2 h 40 min
